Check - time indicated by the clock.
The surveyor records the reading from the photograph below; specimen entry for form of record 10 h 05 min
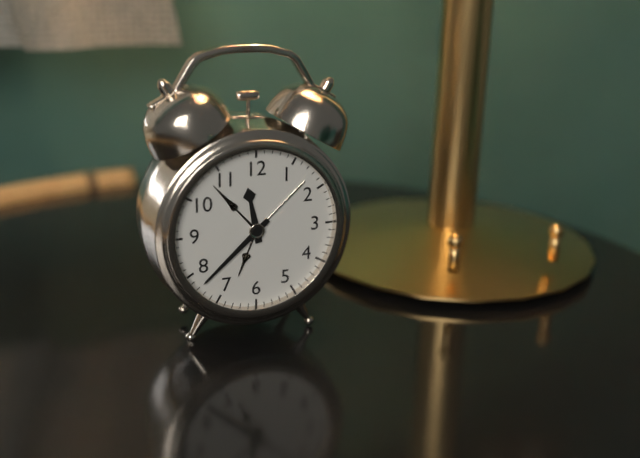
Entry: 11 h 38 min
